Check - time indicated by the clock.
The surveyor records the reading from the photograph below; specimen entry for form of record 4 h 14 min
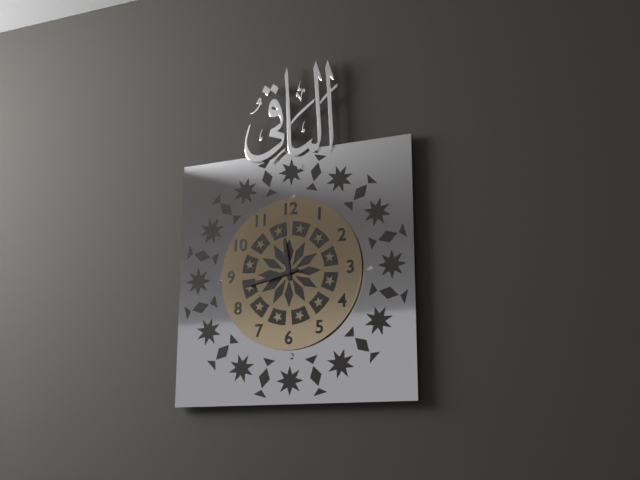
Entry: 11 h 43 min
